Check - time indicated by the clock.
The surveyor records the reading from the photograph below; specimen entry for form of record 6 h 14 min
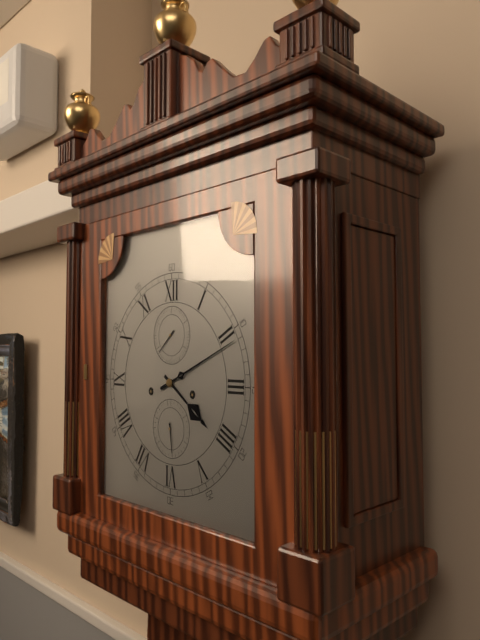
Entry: 4 h 11 min
